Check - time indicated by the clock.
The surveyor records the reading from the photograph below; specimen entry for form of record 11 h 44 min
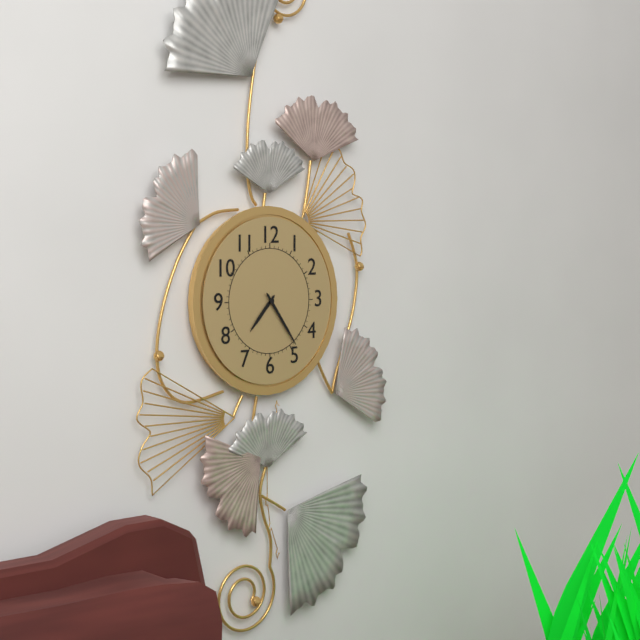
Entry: 7 h 24 min
